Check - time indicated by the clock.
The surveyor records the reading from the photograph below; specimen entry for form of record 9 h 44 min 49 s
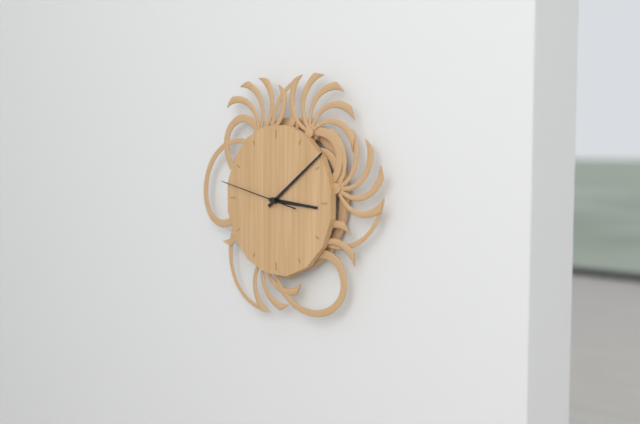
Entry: 3 h 09 min 47 s
